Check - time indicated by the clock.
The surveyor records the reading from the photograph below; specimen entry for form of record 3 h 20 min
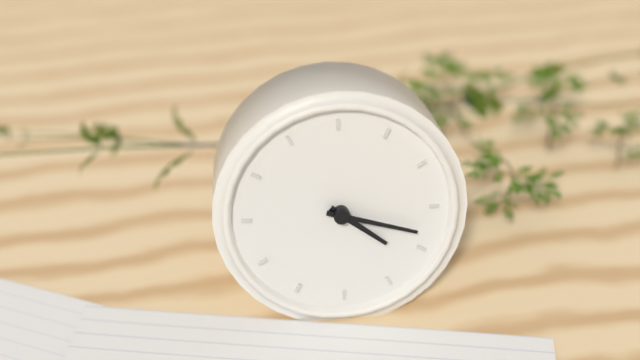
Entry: 4 h 18 min
